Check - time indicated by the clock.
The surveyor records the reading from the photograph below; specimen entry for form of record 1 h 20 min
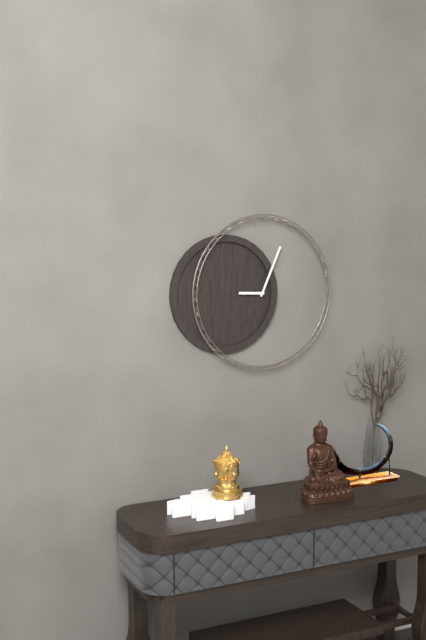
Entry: 9 h 04 min
